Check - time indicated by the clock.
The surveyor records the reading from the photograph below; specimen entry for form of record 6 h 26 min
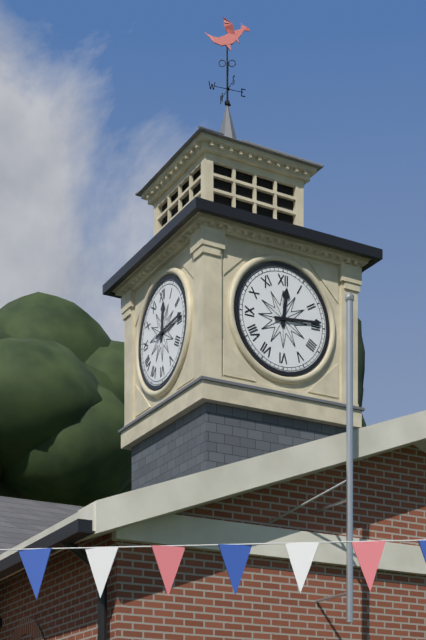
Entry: 12 h 14 min
